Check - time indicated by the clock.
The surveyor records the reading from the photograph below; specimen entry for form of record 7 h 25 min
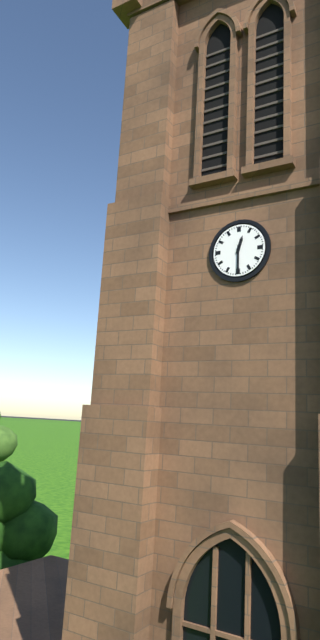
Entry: 12 h 30 min
